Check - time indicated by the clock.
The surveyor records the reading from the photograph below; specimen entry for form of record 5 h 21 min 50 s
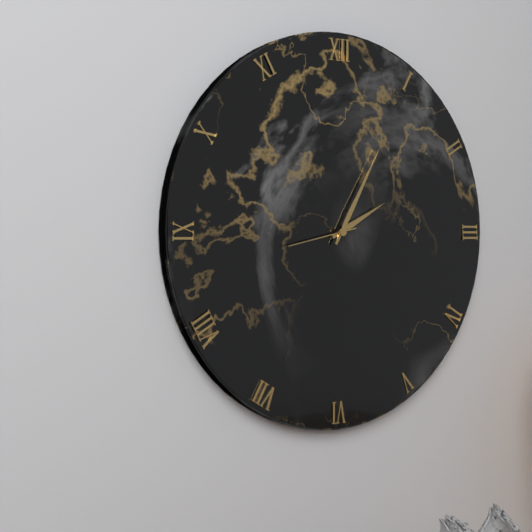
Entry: 2 h 05 min 43 s
